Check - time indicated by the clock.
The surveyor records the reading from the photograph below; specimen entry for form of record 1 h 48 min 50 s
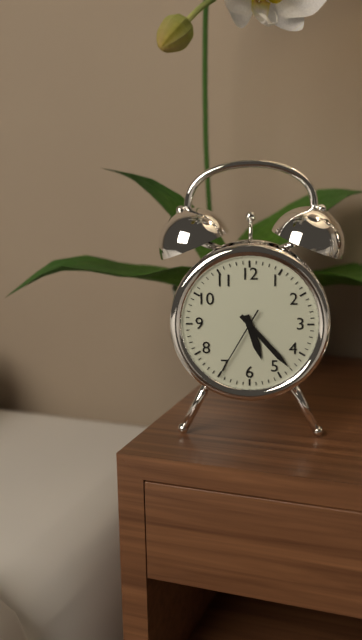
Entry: 5 h 23 min 35 s
